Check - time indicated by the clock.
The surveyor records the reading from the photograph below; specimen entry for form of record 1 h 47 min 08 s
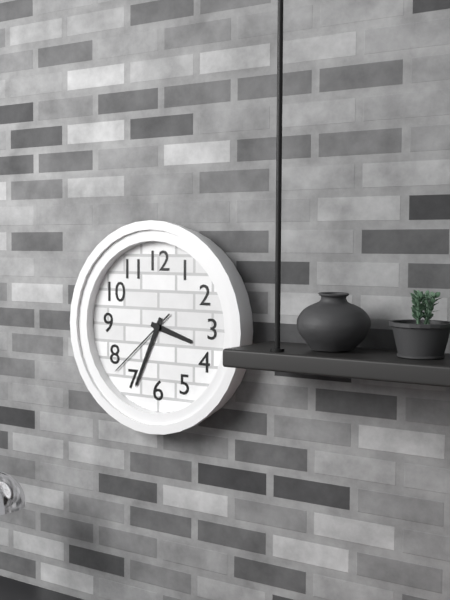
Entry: 3 h 34 min 38 s
